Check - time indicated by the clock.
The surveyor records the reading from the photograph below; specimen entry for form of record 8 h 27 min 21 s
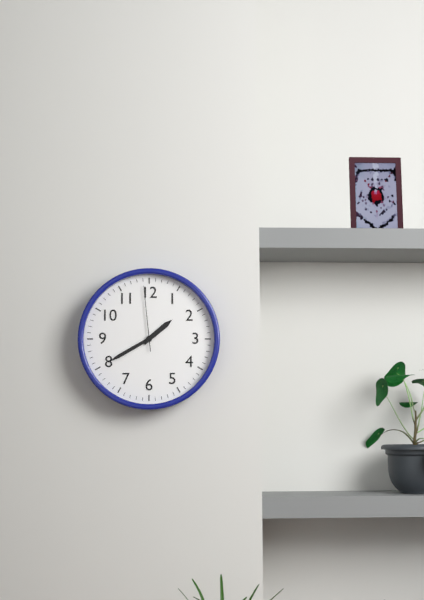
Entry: 1 h 40 min 59 s
